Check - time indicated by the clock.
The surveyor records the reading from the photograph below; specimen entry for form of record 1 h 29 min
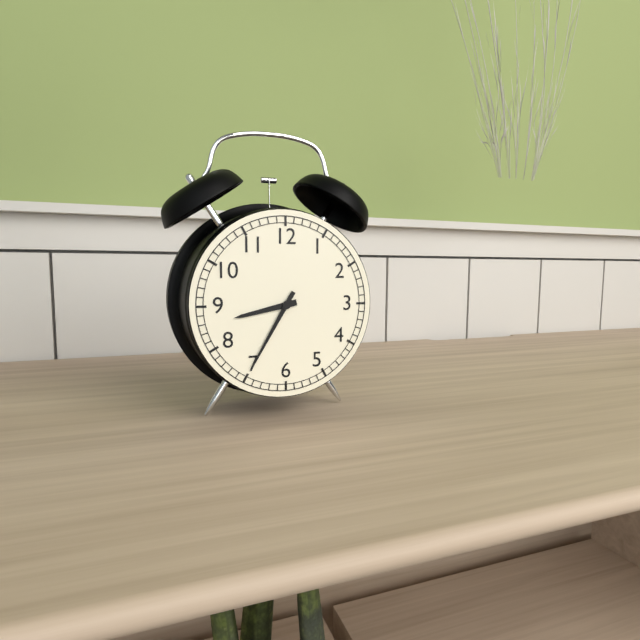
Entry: 8 h 35 min
